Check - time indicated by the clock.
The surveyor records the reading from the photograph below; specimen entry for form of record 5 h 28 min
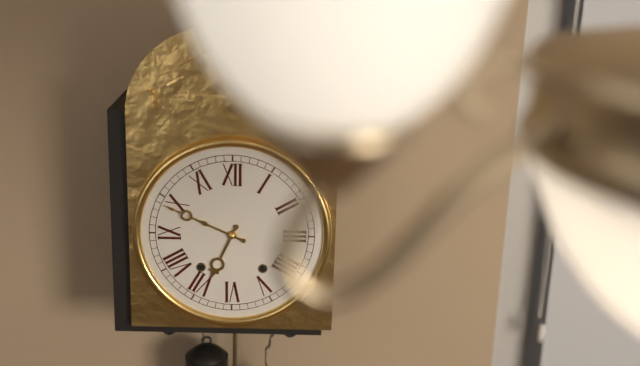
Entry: 6 h 49 min
